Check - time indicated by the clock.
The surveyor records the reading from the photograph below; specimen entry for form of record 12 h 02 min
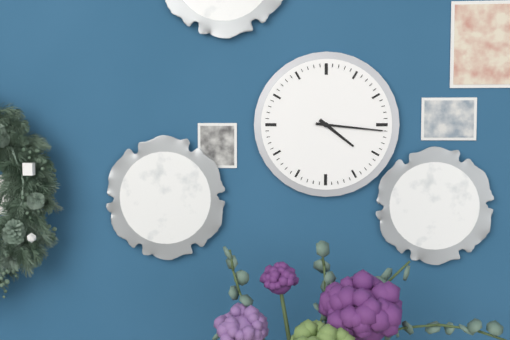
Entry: 4 h 16 min
